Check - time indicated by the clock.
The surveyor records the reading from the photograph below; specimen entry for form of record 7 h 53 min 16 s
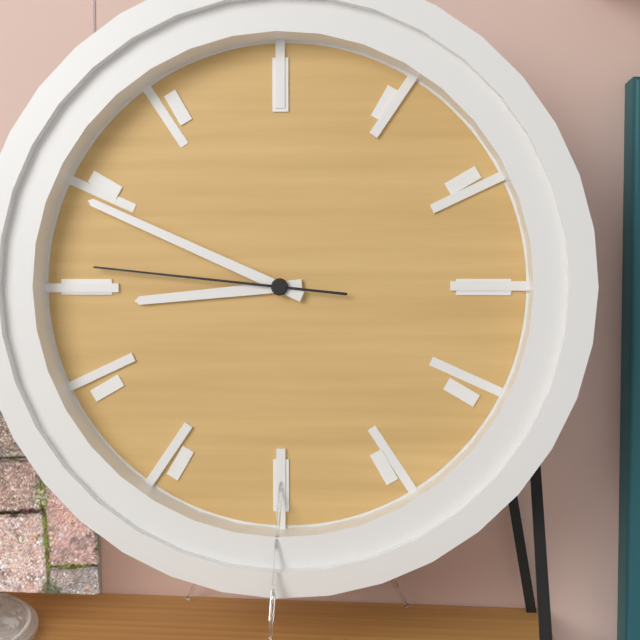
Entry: 8 h 49 min 46 s
